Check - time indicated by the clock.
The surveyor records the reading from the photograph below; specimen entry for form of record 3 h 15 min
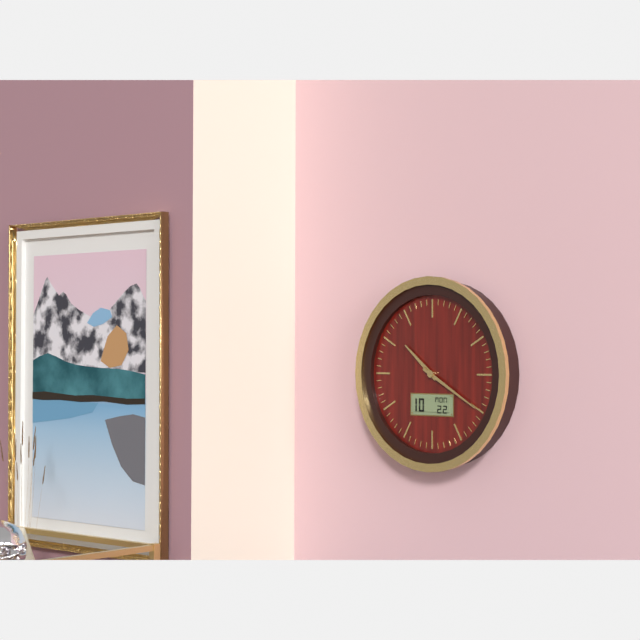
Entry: 10 h 20 min
